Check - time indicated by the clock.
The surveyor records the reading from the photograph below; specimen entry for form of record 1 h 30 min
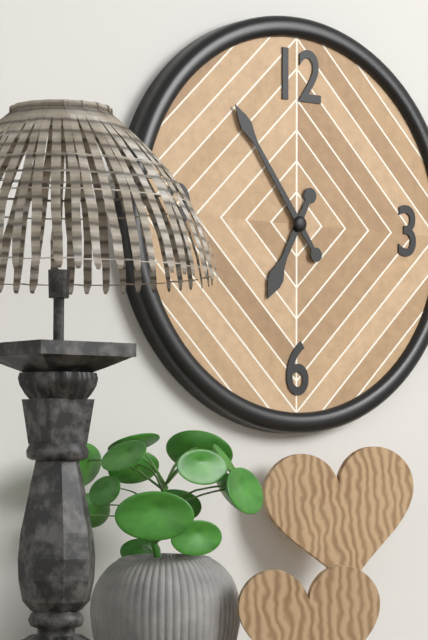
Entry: 6 h 54 min
